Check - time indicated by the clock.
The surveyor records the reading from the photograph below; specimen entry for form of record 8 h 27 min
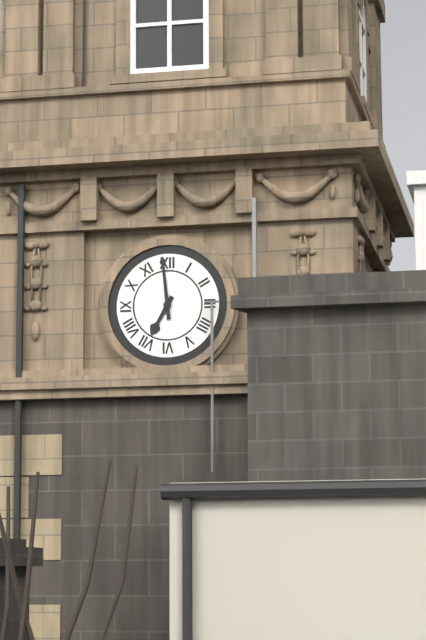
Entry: 6 h 59 min
